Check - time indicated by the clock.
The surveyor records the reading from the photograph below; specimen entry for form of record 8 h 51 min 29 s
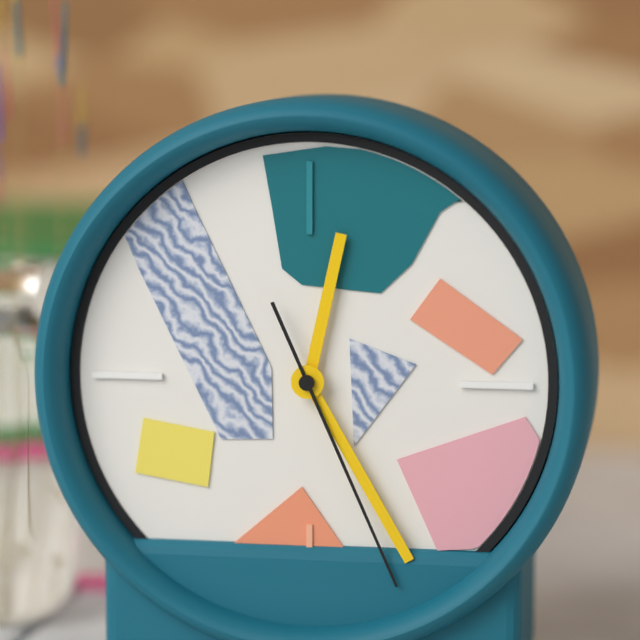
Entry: 12 h 25 min 26 s
